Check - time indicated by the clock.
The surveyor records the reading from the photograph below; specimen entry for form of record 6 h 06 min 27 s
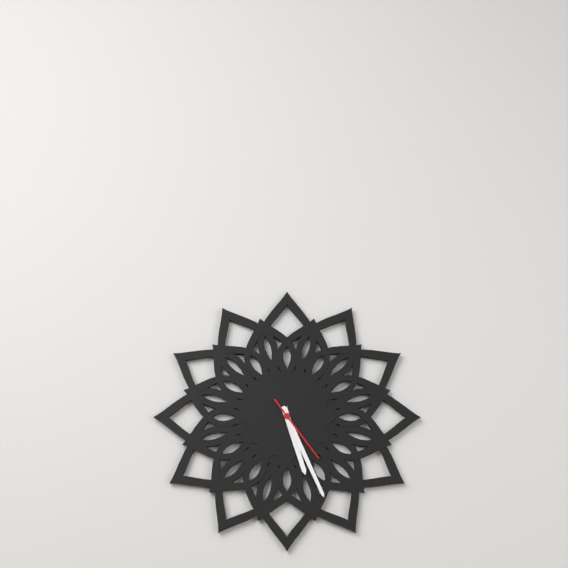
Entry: 5 h 26 min 24 s
